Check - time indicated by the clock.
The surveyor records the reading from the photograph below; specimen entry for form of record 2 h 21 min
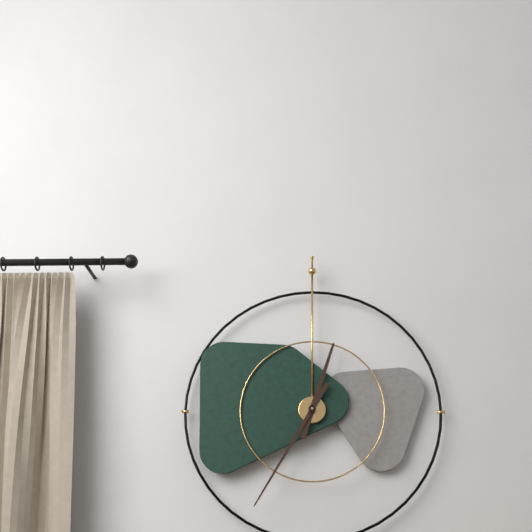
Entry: 12 h 35 min
